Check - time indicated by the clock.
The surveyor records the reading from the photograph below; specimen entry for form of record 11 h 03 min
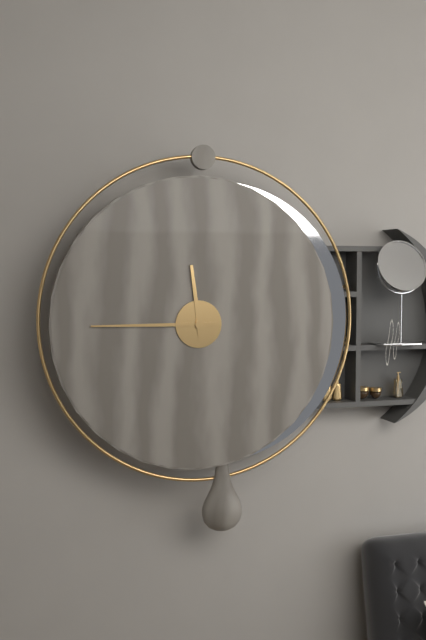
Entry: 11 h 45 min
